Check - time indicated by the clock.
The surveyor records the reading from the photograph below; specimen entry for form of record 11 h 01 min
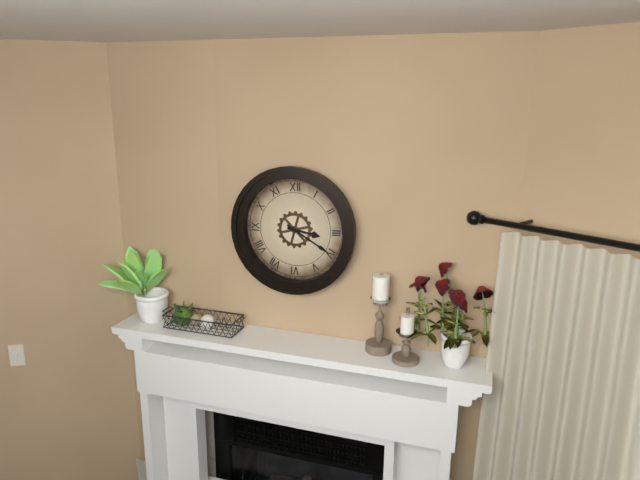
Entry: 3 h 20 min
